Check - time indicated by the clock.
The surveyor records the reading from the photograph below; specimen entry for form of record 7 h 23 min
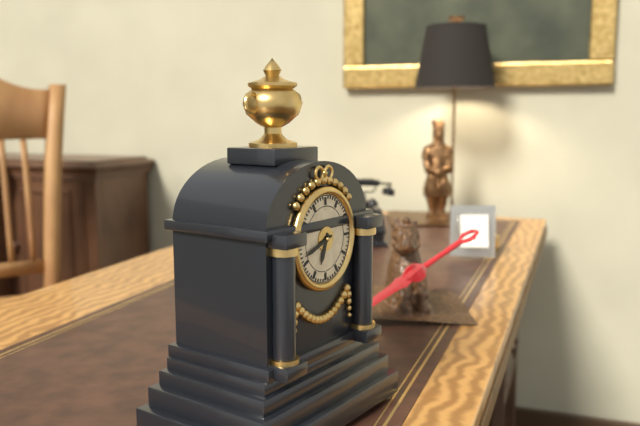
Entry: 6 h 42 min
